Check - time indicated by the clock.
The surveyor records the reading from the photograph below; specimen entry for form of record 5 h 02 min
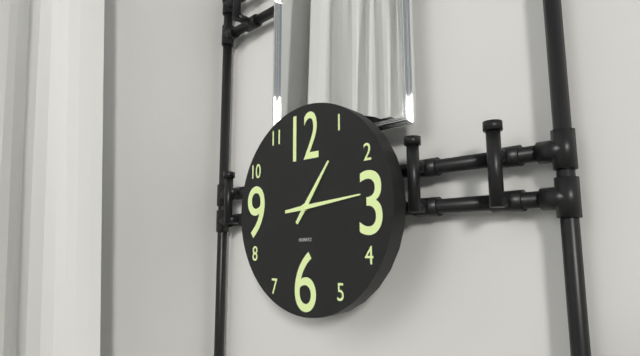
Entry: 1 h 14 min
